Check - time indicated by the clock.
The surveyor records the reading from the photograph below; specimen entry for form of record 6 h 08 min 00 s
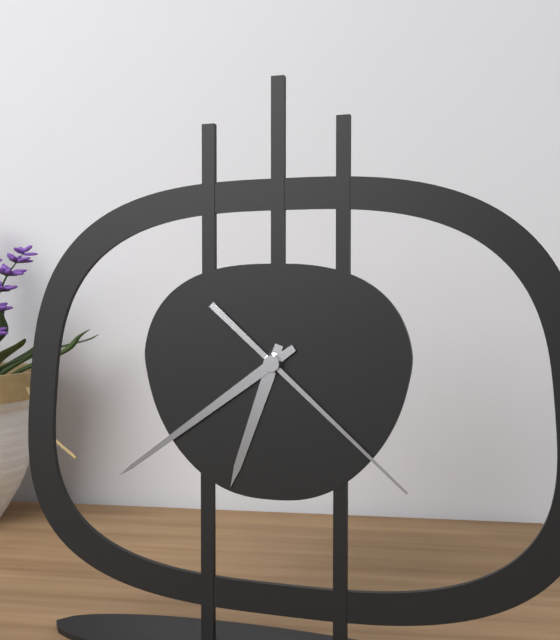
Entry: 6 h 39 min 22 s
